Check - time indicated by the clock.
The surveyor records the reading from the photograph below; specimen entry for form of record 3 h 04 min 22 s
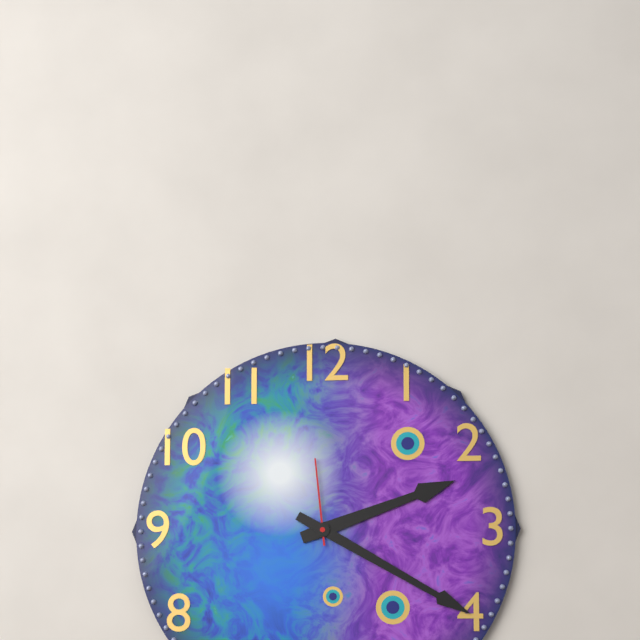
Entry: 2 h 20 min 59 s
